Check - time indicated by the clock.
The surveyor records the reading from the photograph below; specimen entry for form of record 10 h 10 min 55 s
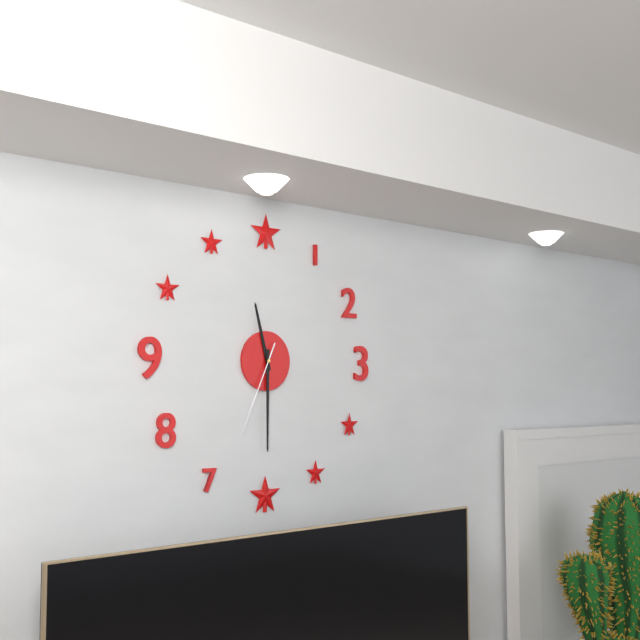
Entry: 11 h 30 min 34 s
